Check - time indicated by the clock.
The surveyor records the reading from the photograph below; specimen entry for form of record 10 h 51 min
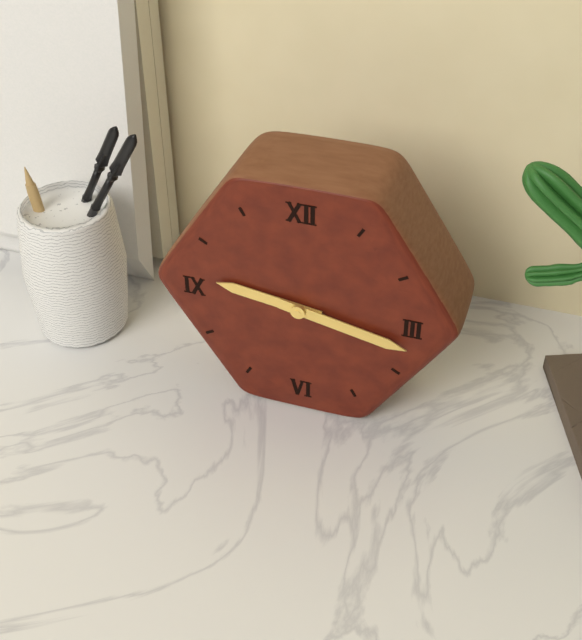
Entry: 9 h 17 min
